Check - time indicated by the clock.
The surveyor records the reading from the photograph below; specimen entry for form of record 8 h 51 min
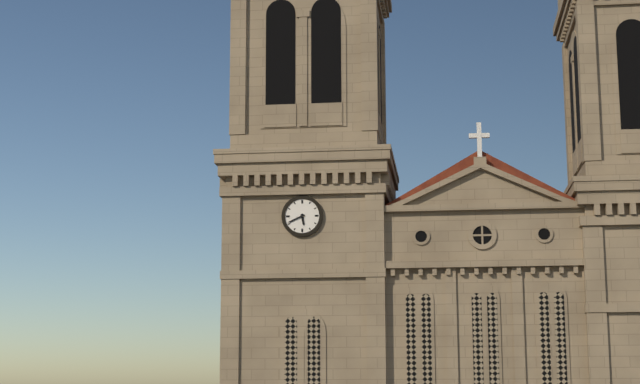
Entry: 5 h 41 min
